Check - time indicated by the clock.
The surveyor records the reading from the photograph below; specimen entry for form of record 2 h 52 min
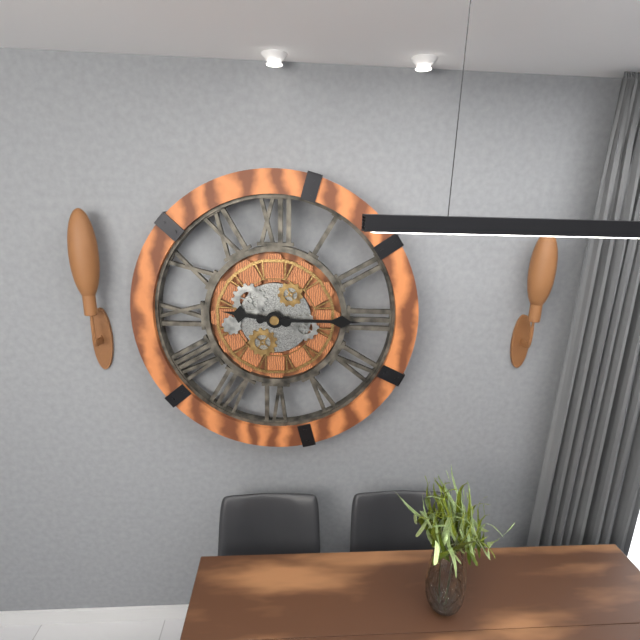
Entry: 9 h 15 min
